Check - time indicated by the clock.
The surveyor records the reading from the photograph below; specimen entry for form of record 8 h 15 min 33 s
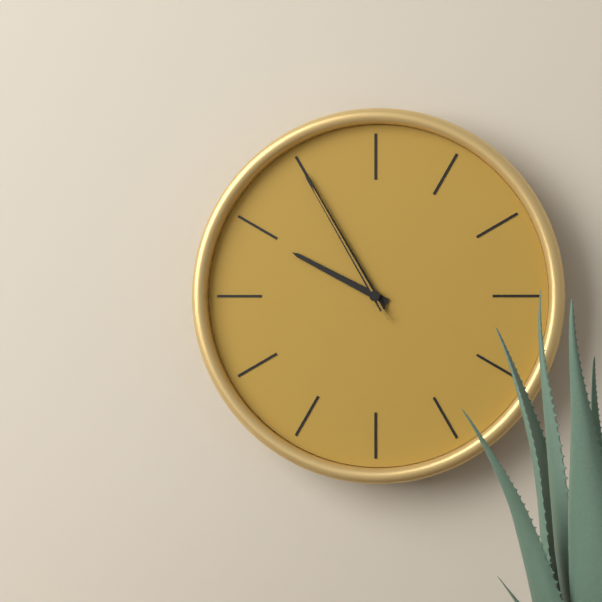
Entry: 9 h 55 min 55 s
